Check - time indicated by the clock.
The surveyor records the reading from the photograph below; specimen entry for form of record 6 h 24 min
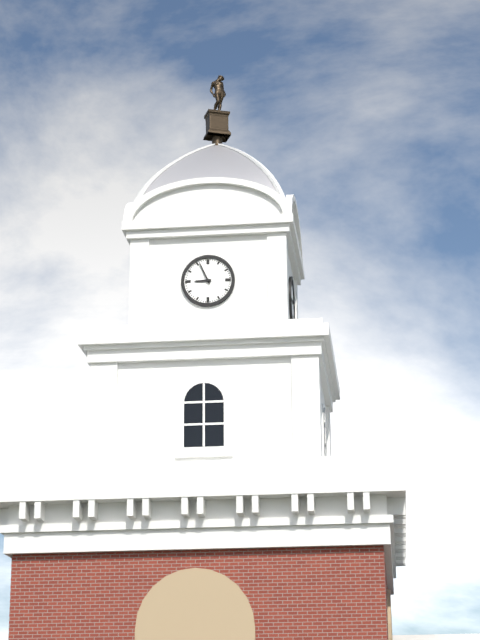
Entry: 8 h 56 min
